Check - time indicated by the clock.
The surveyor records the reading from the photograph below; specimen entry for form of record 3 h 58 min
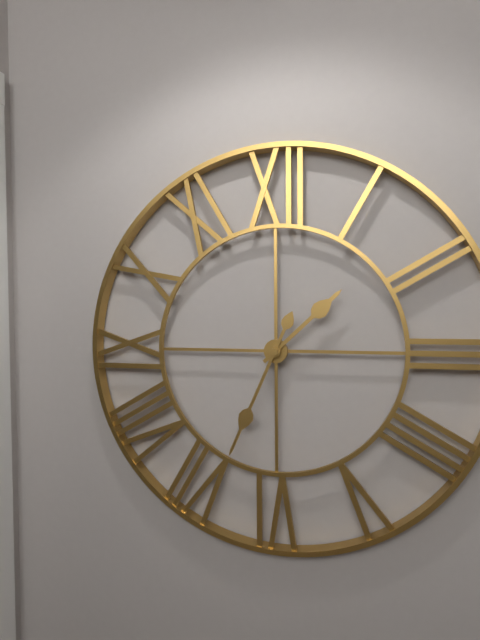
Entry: 1 h 34 min
